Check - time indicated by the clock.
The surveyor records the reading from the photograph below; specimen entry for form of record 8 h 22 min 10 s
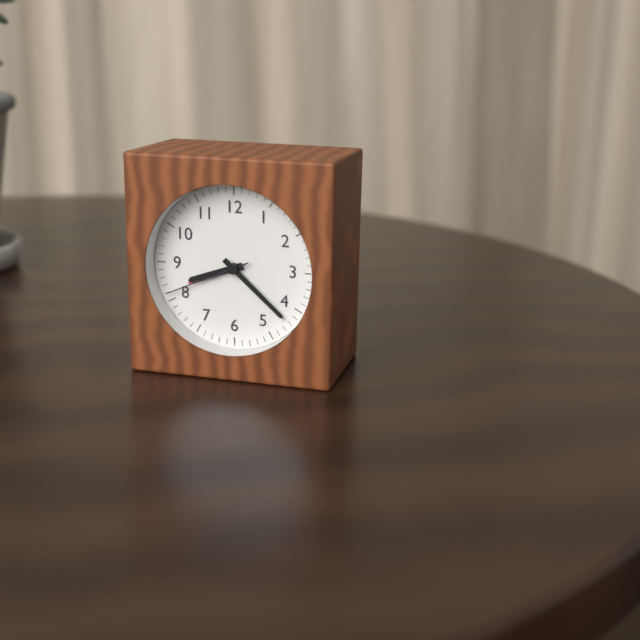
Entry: 8 h 22 min 41 s
